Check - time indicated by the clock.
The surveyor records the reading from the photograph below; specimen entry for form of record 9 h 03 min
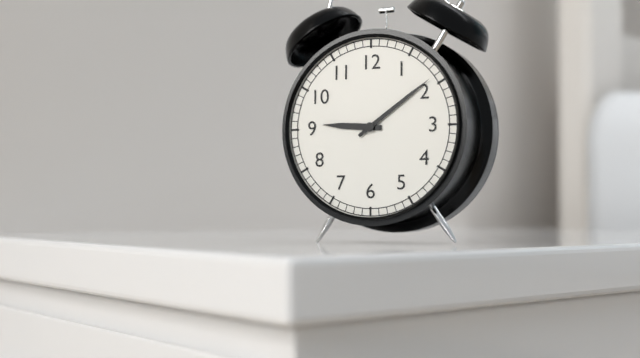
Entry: 9 h 09 min
